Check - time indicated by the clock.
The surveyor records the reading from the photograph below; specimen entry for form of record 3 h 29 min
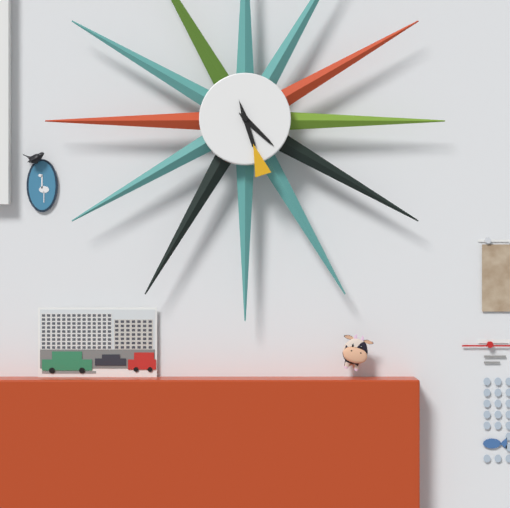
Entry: 4 h 27 min
